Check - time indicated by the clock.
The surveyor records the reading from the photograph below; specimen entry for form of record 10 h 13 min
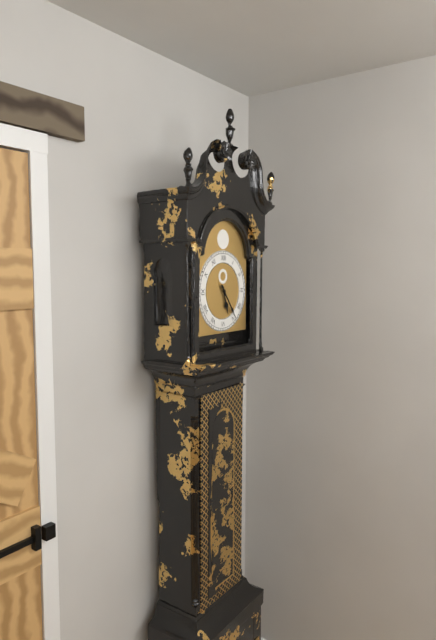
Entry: 5 h 24 min
